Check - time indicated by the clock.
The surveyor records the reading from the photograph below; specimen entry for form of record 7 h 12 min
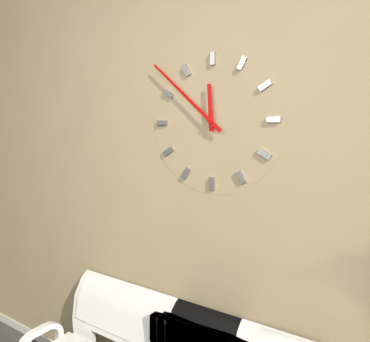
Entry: 11 h 52 min
